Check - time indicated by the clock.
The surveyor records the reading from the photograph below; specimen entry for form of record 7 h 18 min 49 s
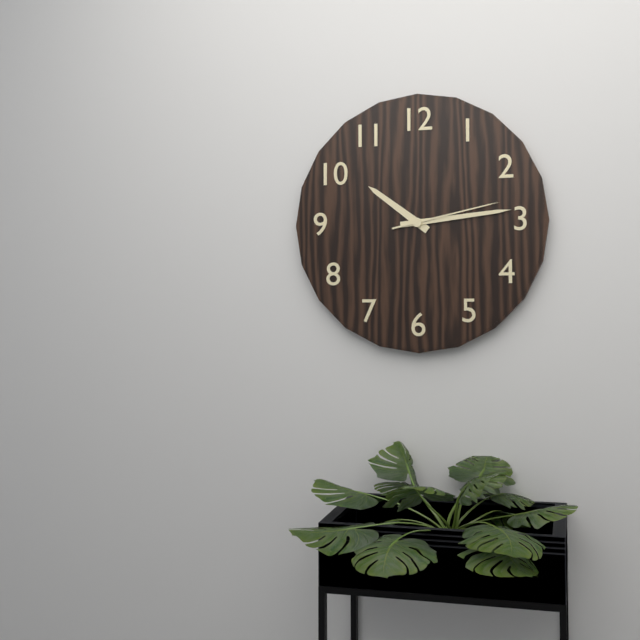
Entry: 10 h 14 min 13 s
